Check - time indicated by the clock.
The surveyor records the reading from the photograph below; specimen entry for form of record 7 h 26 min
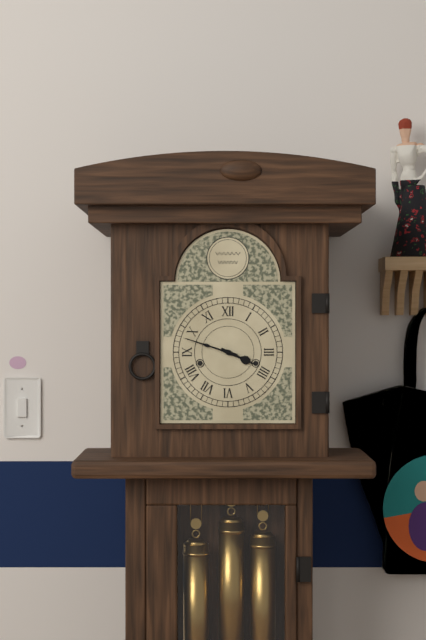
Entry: 3 h 48 min
